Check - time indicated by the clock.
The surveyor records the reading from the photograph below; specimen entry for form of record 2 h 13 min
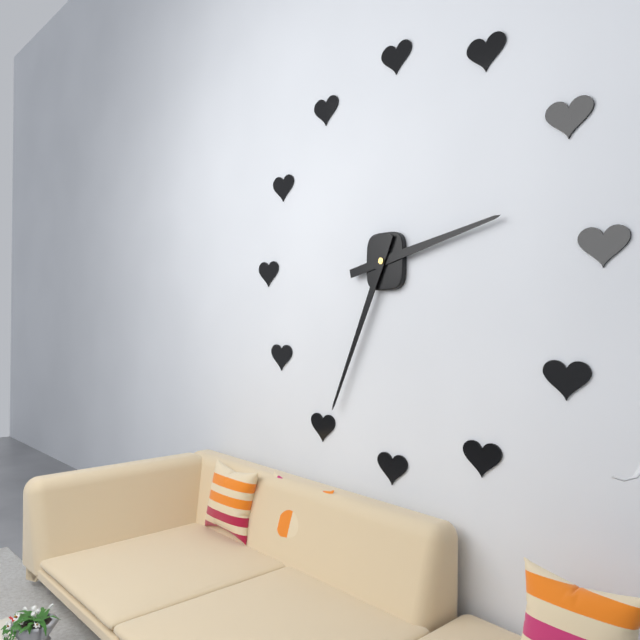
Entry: 2 h 34 min
